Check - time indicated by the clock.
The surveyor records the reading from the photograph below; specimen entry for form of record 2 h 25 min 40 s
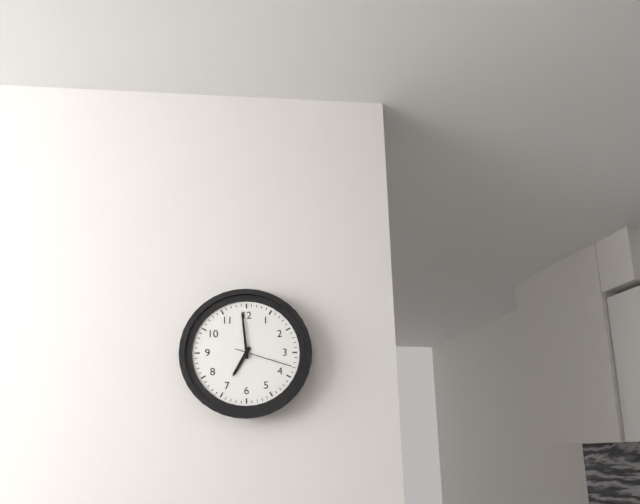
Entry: 6 h 59 min 18 s
